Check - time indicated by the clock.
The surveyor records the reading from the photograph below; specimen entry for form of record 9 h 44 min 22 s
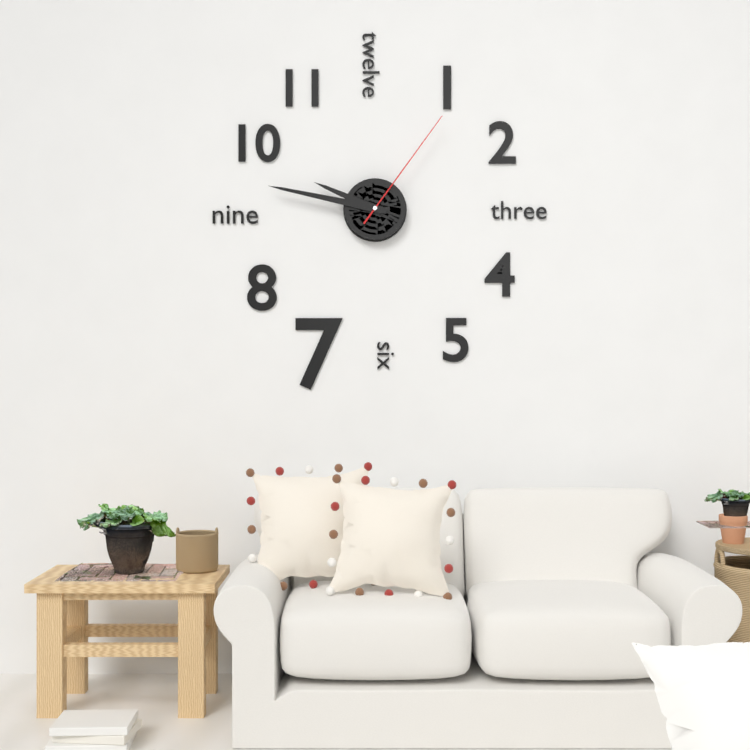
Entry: 9 h 47 min 06 s
